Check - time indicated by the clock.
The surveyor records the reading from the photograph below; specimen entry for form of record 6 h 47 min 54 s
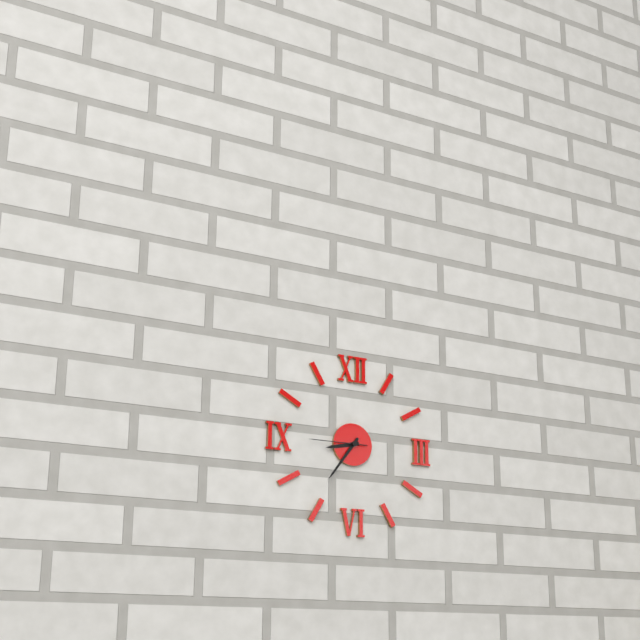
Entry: 8 h 36 min 45 s
